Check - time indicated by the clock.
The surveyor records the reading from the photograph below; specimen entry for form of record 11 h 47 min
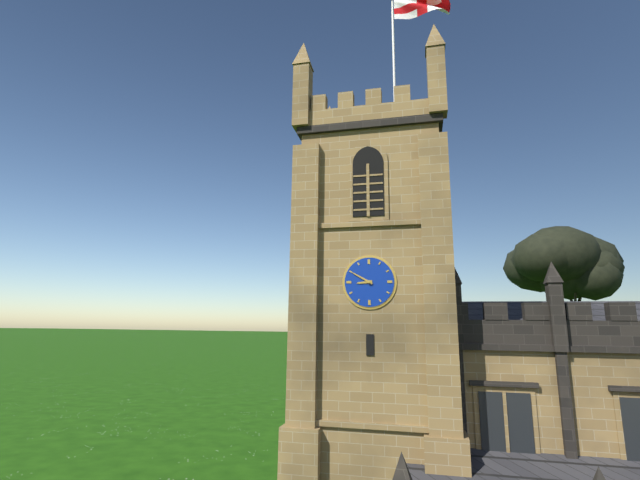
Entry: 8 h 50 min
